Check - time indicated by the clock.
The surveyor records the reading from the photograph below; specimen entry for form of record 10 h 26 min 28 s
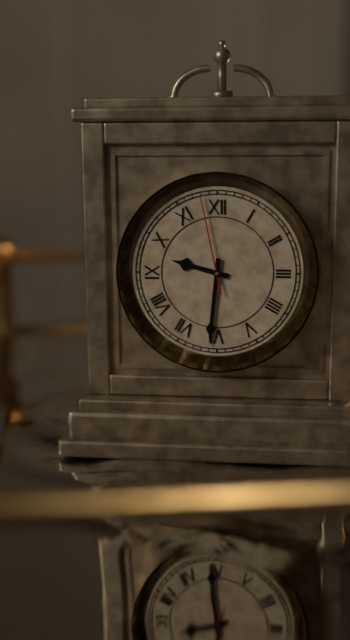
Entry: 9 h 31 min 58 s
